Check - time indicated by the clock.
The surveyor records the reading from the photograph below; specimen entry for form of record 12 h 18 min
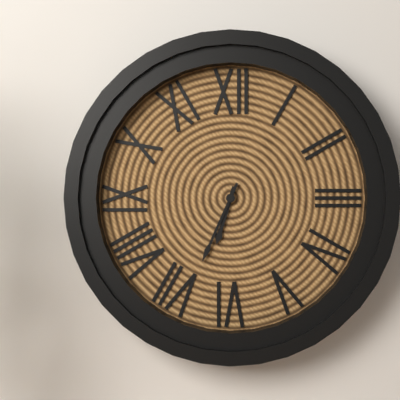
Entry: 6 h 34 min
